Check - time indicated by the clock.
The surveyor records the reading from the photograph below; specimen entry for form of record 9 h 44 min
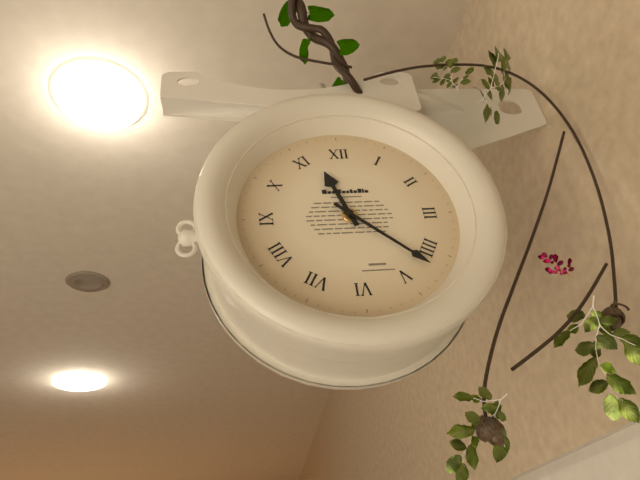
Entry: 11 h 22 min
